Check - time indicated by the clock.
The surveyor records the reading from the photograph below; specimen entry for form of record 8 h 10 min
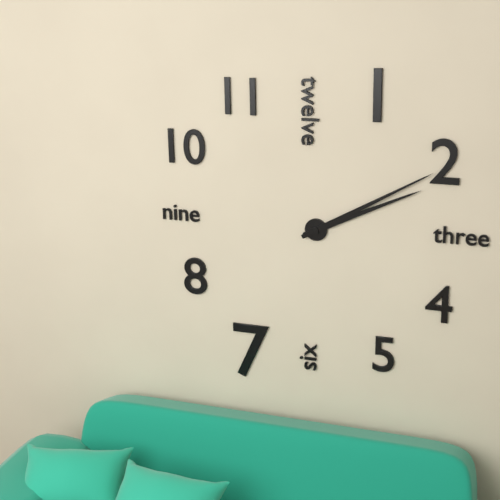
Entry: 2 h 10 min
